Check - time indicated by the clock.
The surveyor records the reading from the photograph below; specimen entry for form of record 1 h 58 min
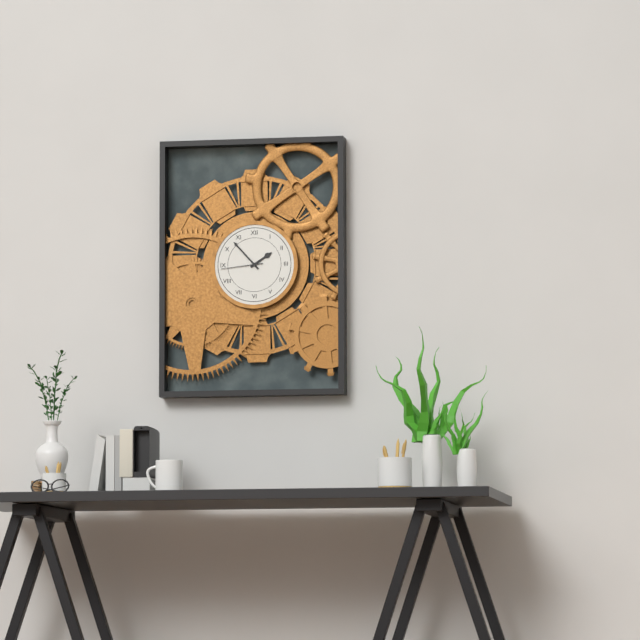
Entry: 1 h 53 min
